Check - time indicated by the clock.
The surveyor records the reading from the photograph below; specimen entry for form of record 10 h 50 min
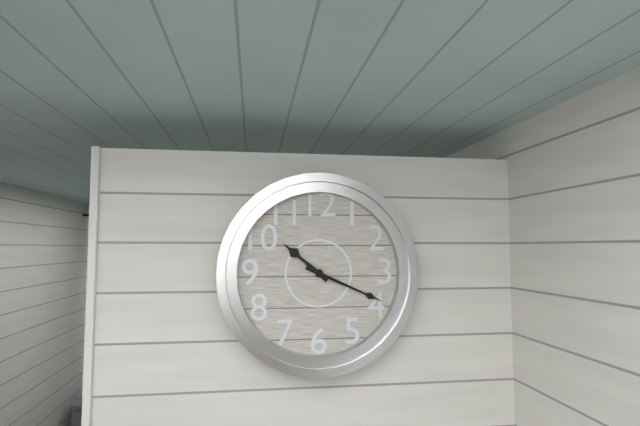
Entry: 10 h 19 min
